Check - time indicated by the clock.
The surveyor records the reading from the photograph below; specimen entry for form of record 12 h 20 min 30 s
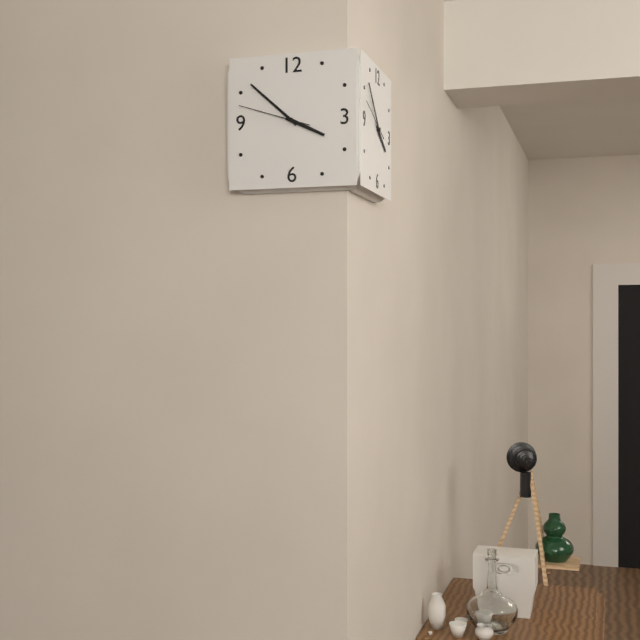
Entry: 3 h 52 min 48 s
